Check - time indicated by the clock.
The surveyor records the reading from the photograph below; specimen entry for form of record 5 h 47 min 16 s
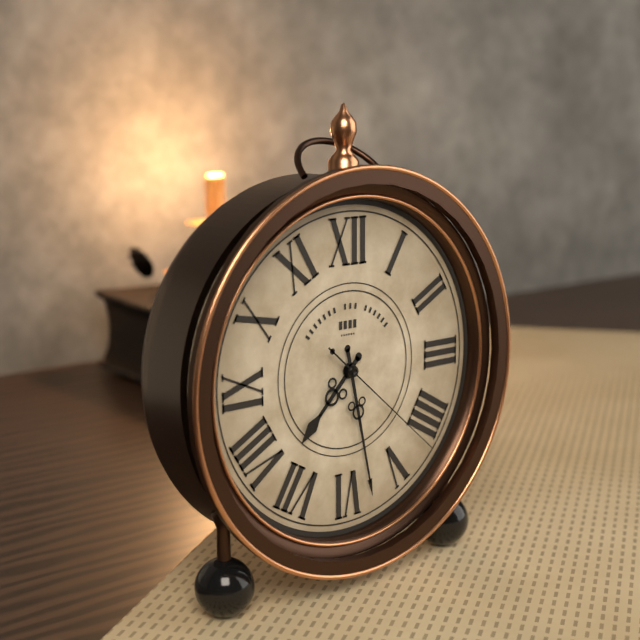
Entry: 7 h 28 min 22 s
